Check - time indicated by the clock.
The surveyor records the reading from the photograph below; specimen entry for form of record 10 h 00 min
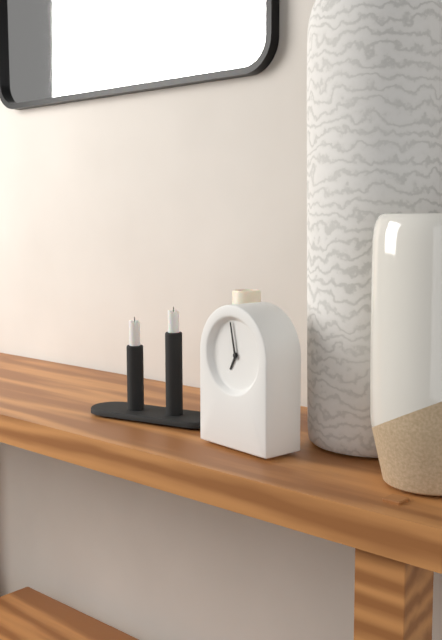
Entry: 6 h 58 min
